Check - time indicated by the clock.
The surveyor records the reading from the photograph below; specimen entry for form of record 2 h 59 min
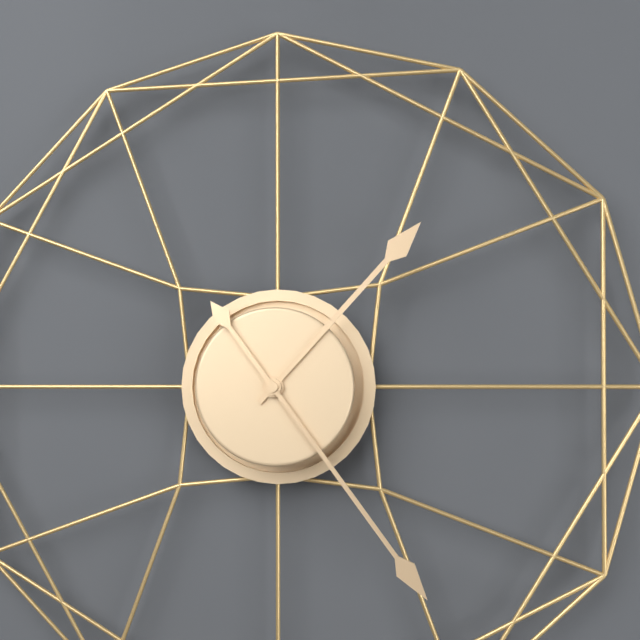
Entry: 1 h 24 min
